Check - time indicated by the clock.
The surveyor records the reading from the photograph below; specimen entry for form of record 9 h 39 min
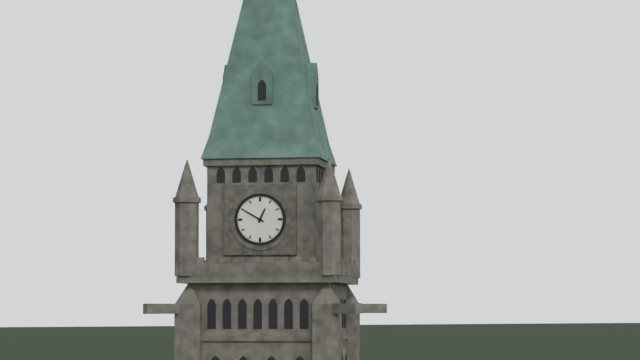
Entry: 12 h 50 min
